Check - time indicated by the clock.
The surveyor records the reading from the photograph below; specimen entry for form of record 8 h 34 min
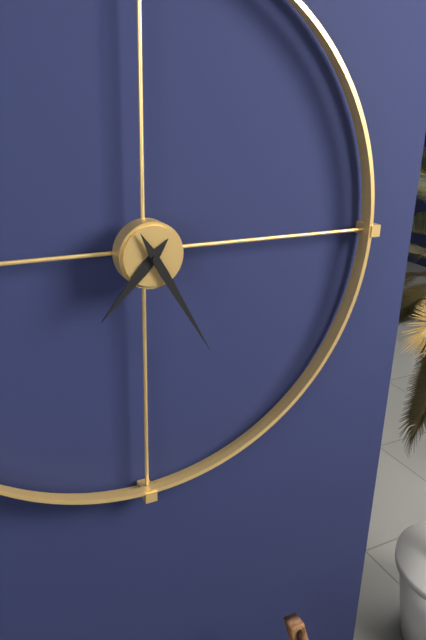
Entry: 7 h 25 min
